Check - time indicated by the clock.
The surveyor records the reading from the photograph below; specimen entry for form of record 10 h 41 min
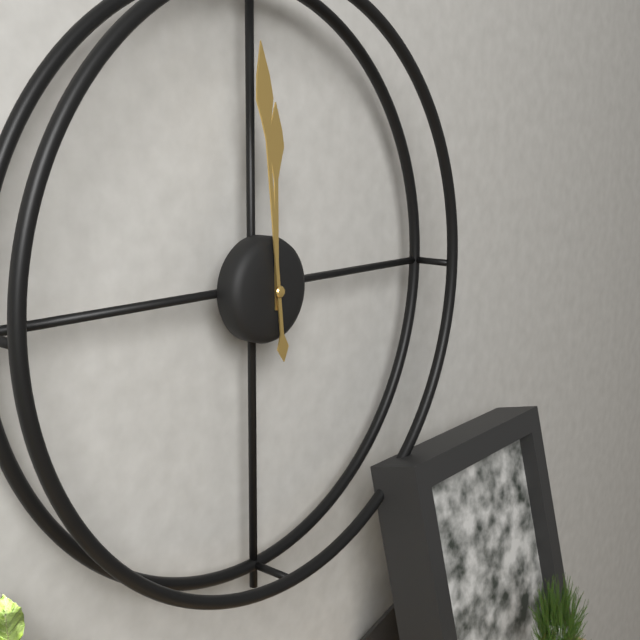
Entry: 11 h 59 min
